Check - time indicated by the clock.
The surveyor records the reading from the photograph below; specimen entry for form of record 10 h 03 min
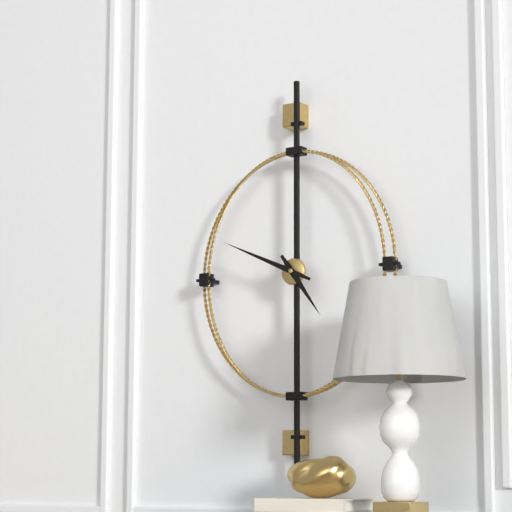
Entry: 4 h 49 min
